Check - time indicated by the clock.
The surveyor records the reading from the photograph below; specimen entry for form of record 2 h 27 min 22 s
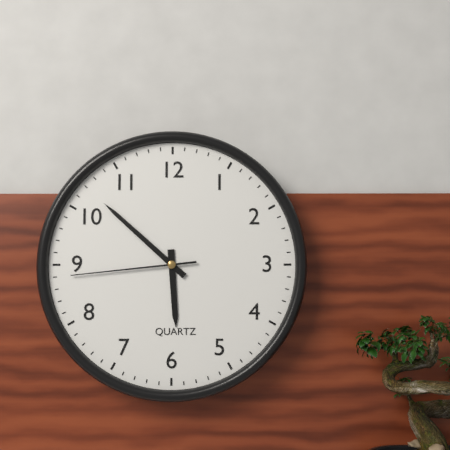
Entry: 5 h 52 min 44 s
